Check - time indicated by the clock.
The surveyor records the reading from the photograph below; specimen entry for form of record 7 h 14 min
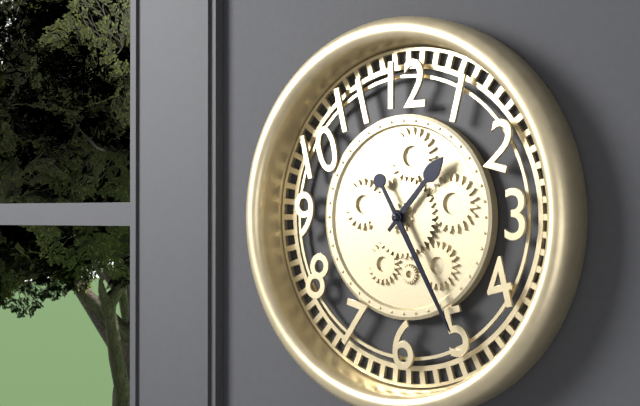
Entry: 1 h 25 min
